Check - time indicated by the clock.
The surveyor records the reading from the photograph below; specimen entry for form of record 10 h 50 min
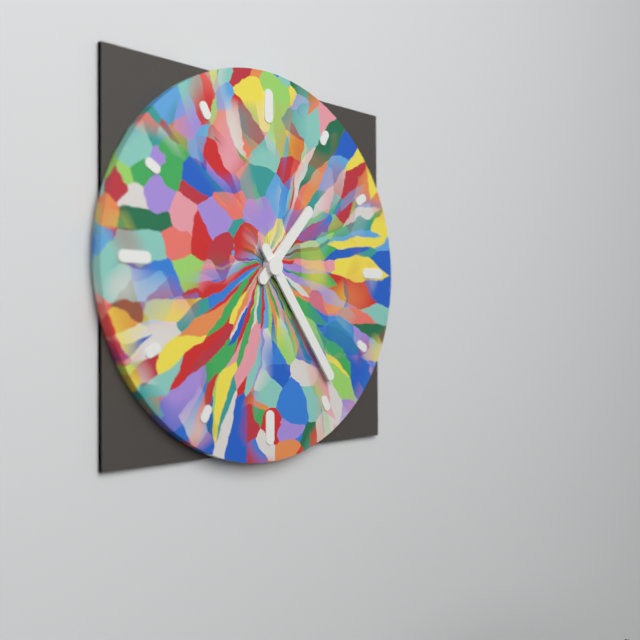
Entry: 1 h 24 min
